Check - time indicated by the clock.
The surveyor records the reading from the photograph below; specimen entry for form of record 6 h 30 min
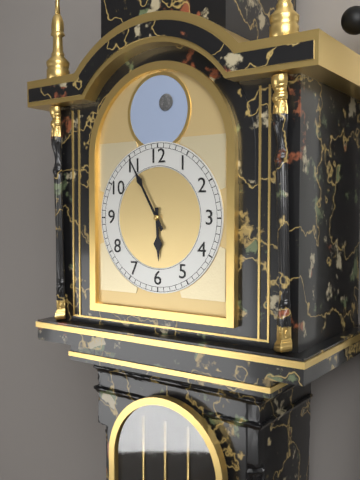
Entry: 5 h 55 min
